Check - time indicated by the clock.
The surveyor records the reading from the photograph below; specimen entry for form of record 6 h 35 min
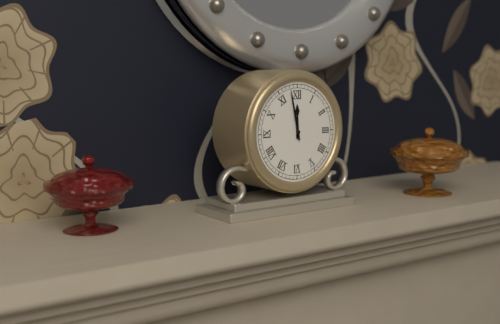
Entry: 11 h 58 min
